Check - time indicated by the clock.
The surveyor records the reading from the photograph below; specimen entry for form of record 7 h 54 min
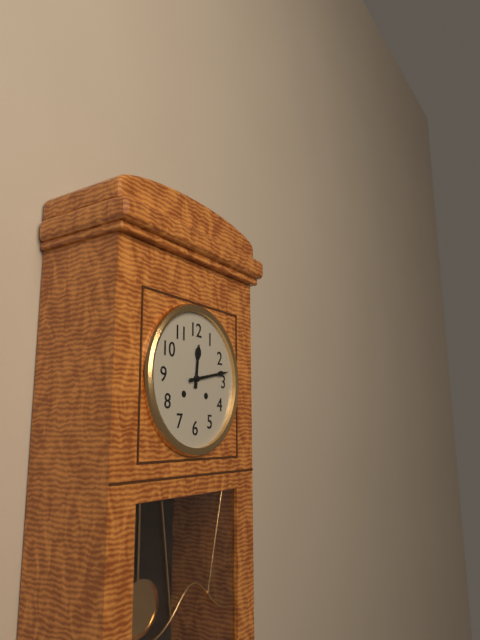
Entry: 12 h 13 min
